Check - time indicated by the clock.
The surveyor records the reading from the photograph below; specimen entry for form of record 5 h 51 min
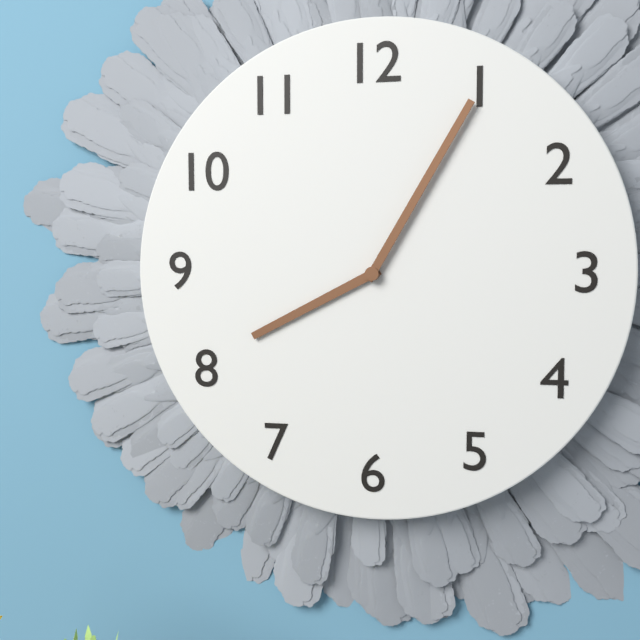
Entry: 8 h 05 min
